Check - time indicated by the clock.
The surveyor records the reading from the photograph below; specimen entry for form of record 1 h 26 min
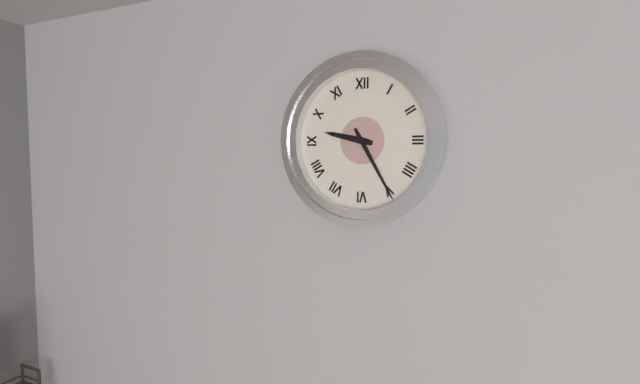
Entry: 9 h 25 min
